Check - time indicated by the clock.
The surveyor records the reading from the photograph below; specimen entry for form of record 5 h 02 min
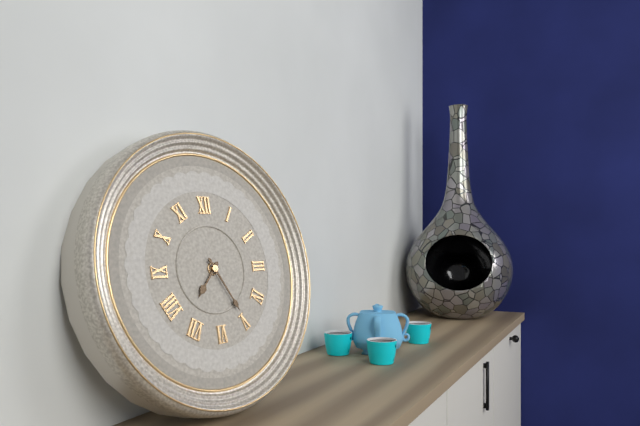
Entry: 7 h 25 min
